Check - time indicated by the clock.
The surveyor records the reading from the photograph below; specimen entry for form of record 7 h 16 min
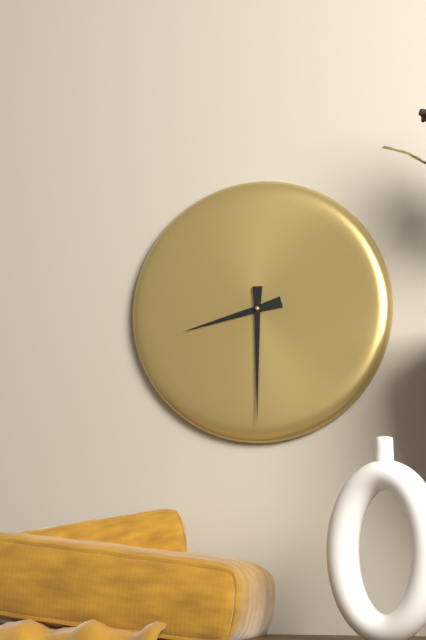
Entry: 8 h 30 min
